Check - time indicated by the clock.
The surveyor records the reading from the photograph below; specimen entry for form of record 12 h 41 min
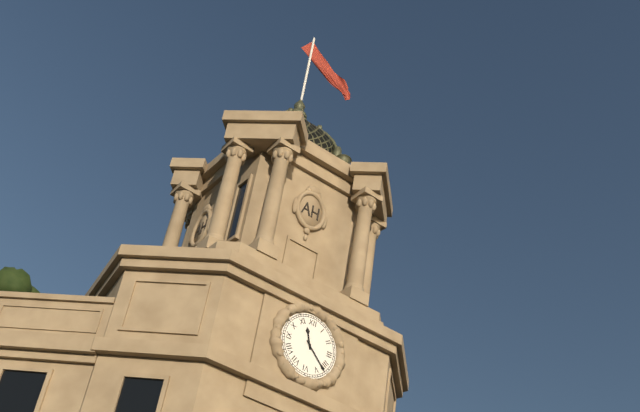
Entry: 11 h 22 min
